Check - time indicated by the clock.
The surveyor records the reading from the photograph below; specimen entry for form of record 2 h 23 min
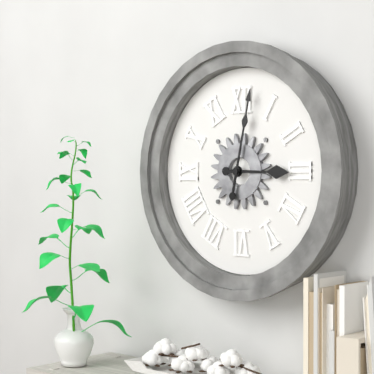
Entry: 3 h 02 min
